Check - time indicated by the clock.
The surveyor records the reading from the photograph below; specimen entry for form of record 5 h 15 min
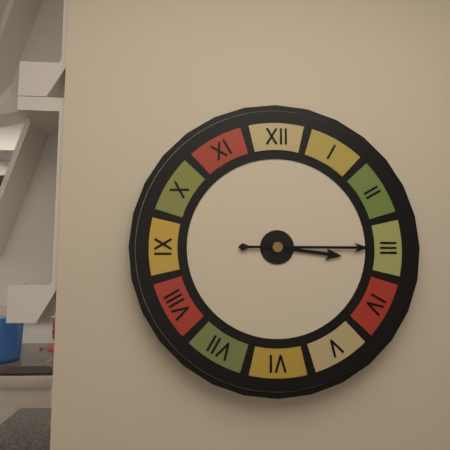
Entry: 3 h 15 min
